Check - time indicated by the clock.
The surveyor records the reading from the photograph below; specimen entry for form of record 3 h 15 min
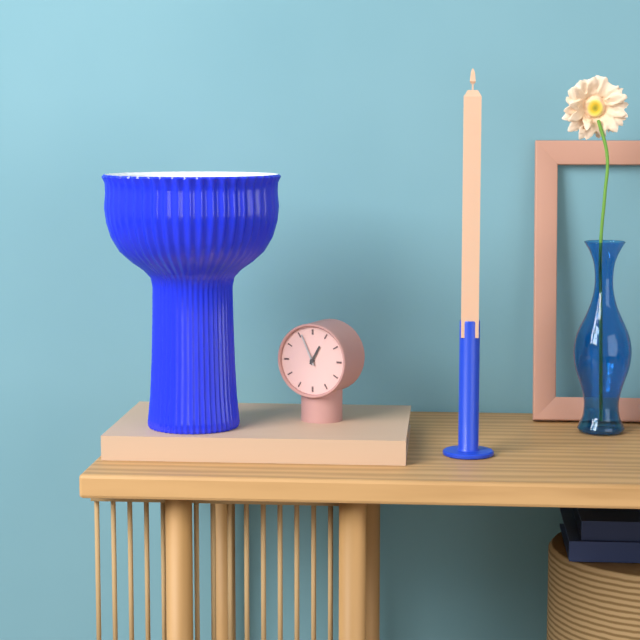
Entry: 12 h 56 min
